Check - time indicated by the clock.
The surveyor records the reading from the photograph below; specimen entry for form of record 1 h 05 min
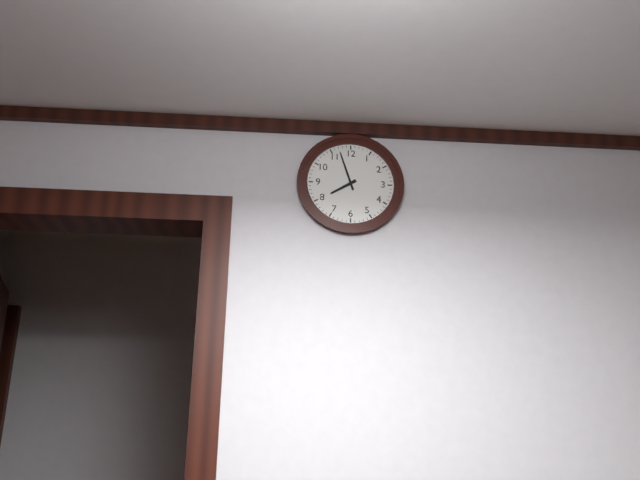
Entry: 7 h 57 min
